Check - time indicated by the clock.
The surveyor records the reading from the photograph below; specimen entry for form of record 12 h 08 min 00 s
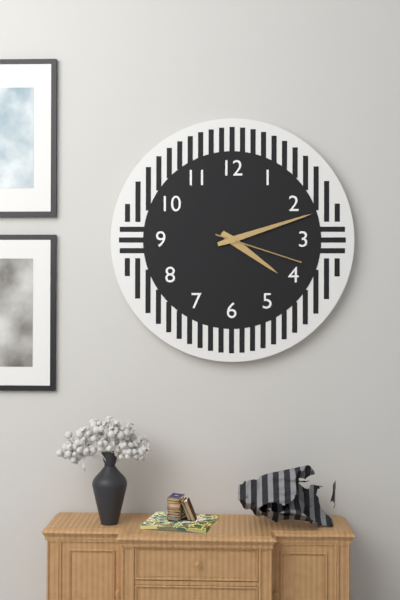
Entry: 4 h 12 min 18 s
